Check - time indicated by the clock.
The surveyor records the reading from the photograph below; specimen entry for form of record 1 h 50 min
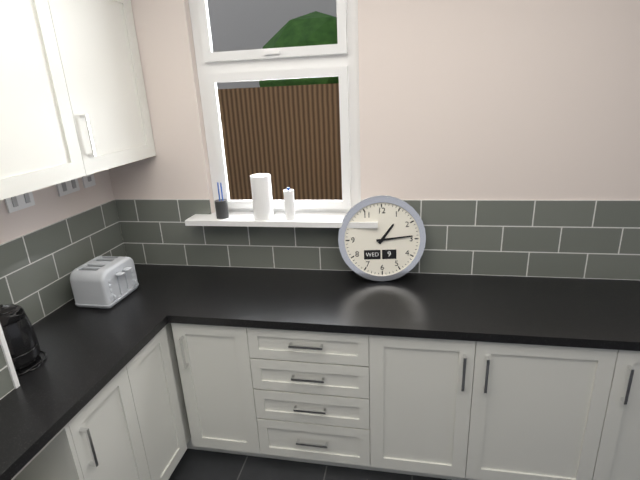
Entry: 1 h 14 min
